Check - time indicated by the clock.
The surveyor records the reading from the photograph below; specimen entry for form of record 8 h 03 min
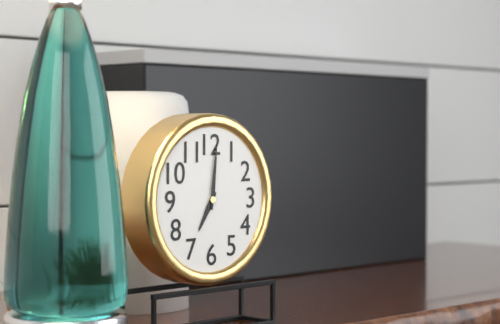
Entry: 7 h 01 min
